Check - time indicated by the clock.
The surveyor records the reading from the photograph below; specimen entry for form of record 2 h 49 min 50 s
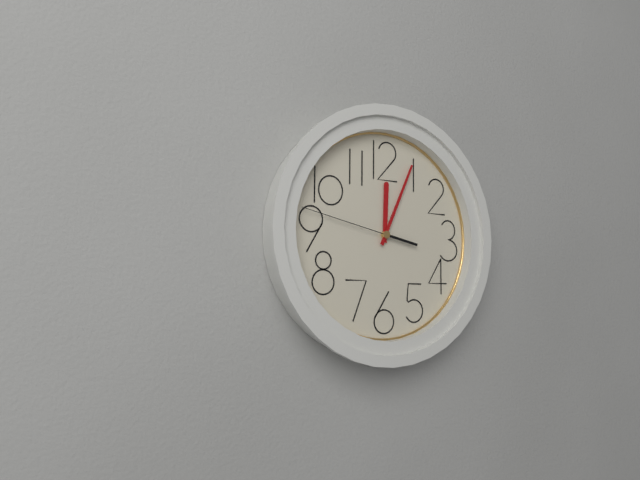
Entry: 12 h 04 min 47 s
